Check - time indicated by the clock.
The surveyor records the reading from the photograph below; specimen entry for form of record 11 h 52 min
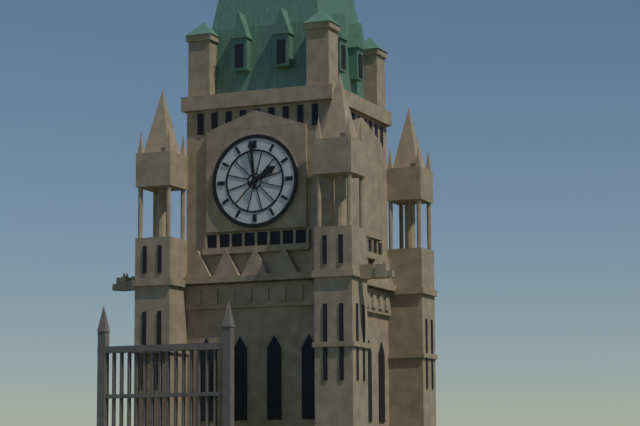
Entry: 1 h 59 min
